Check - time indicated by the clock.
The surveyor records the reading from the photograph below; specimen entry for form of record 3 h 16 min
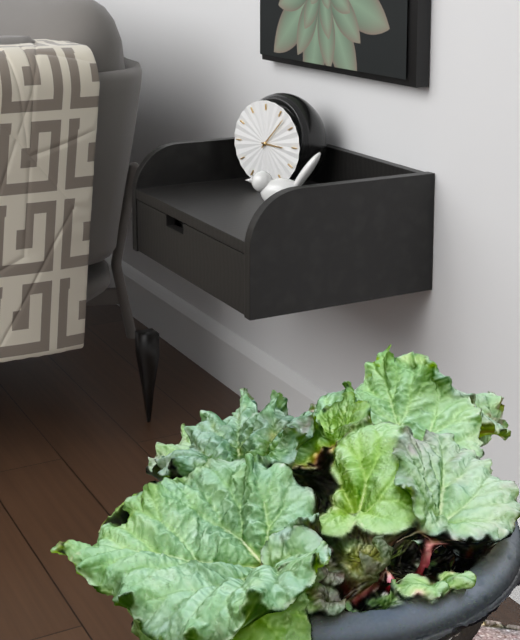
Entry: 3 h 07 min
